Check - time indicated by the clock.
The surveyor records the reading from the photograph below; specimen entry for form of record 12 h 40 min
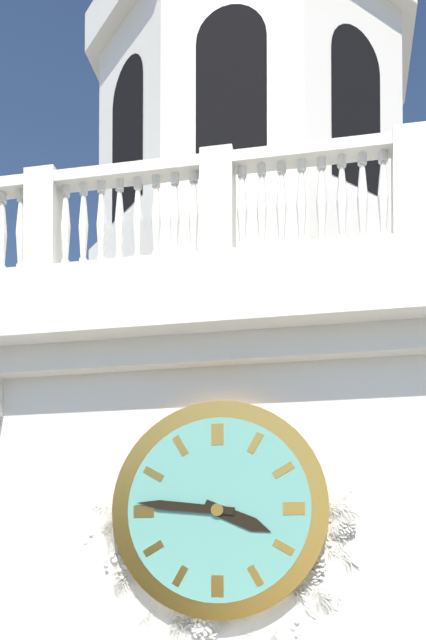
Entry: 3 h 46 min
